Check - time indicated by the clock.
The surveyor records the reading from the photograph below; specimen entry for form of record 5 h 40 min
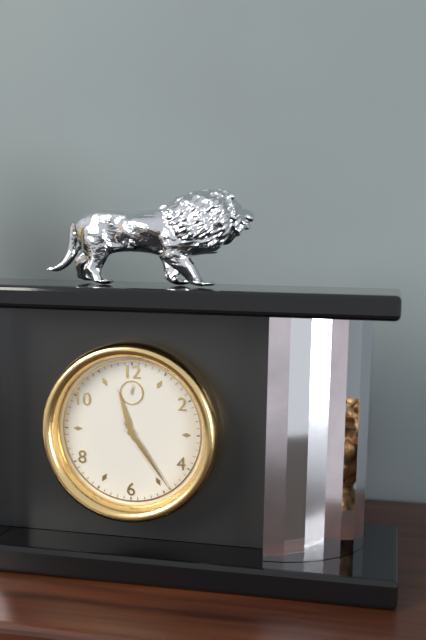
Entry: 11 h 24 min
